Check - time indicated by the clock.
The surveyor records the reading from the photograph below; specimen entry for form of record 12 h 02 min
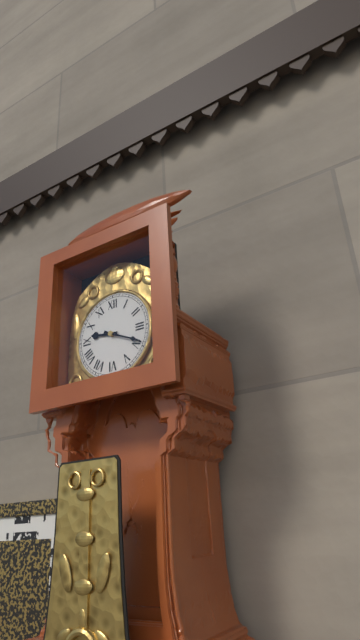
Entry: 9 h 19 min
